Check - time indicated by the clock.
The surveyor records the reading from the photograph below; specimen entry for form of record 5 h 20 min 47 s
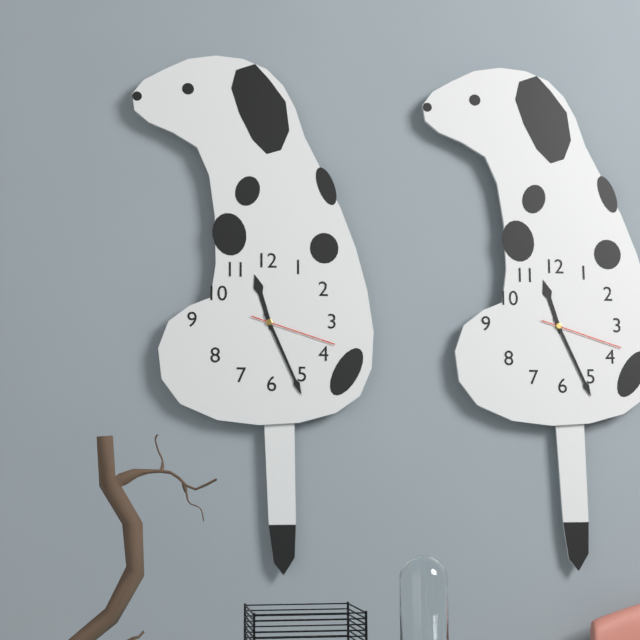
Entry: 11 h 26 min 18 s
